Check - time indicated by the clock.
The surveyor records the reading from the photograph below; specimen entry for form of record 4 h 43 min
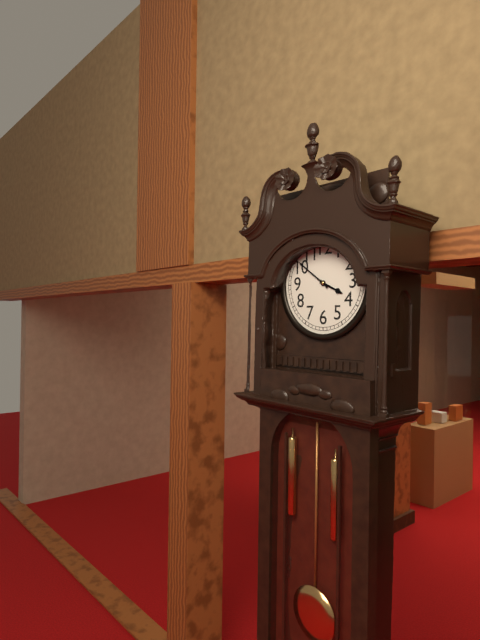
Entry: 3 h 51 min
